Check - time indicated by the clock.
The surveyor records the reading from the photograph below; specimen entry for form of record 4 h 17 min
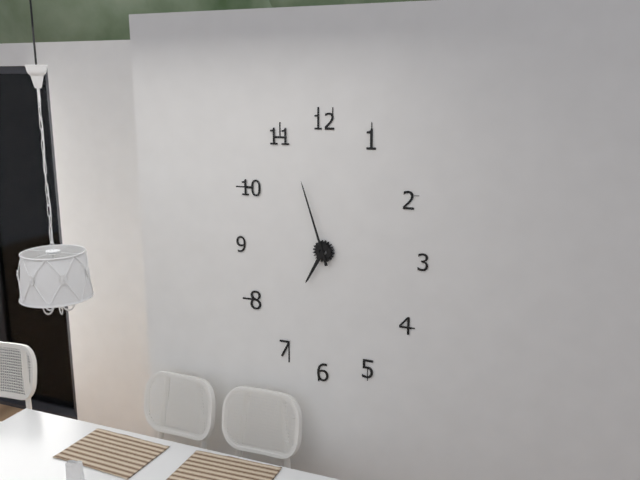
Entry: 6 h 57 min
